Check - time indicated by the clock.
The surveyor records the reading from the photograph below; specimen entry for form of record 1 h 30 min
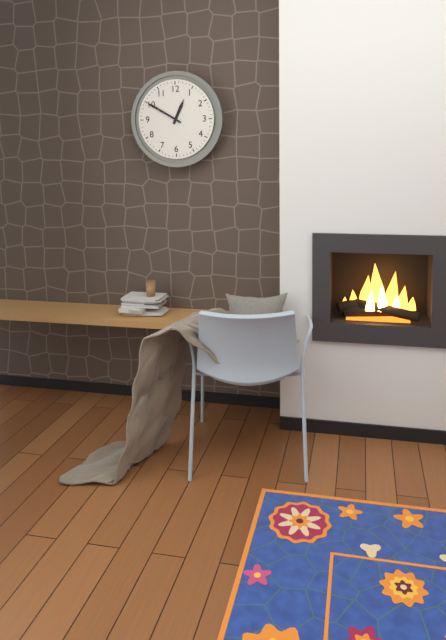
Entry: 12 h 50 min
